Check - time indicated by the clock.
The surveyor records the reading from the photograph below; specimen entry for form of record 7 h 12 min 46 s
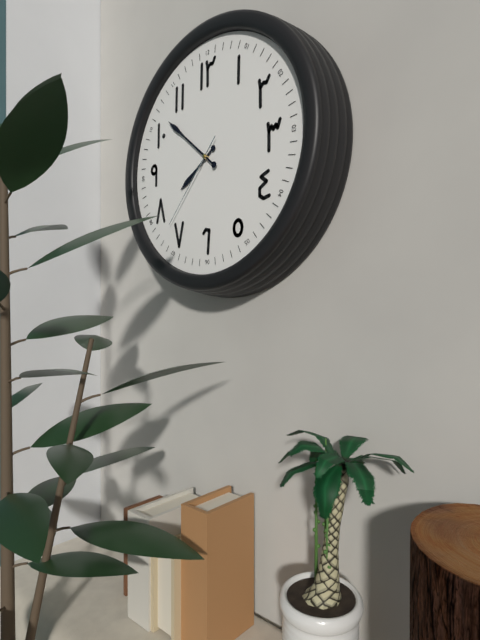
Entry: 7 h 52 min 37 s
